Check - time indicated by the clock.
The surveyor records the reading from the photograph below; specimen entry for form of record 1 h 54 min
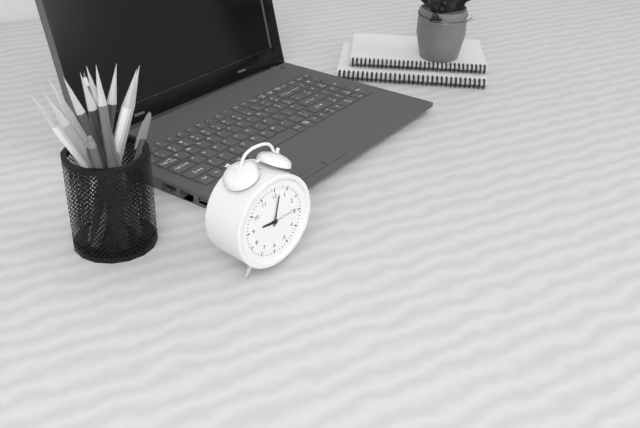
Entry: 9 h 02 min
